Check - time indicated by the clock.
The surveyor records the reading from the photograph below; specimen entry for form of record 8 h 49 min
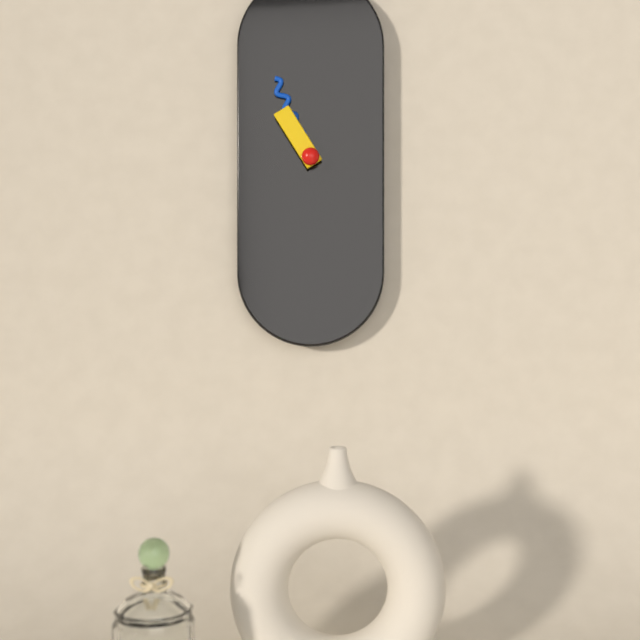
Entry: 10 h 56 min
